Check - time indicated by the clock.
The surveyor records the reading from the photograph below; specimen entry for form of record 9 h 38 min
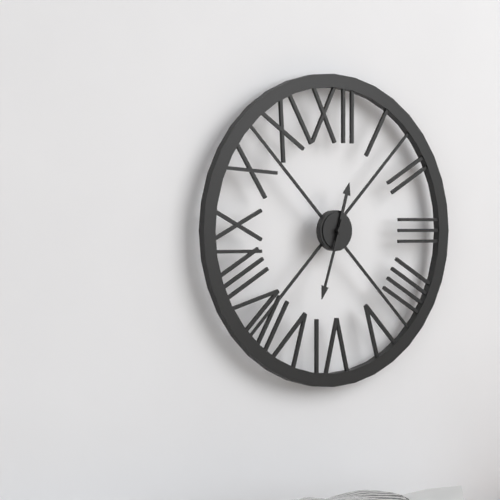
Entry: 12 h 33 min
